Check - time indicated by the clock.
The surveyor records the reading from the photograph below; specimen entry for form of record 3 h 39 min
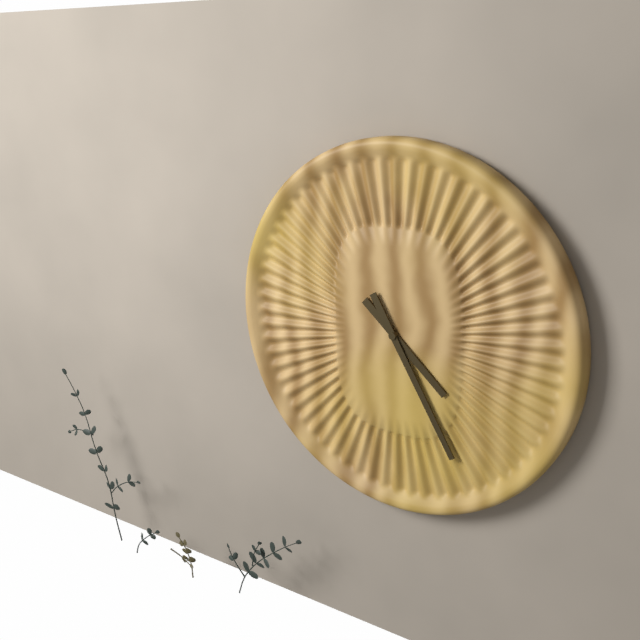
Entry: 4 h 25 min
